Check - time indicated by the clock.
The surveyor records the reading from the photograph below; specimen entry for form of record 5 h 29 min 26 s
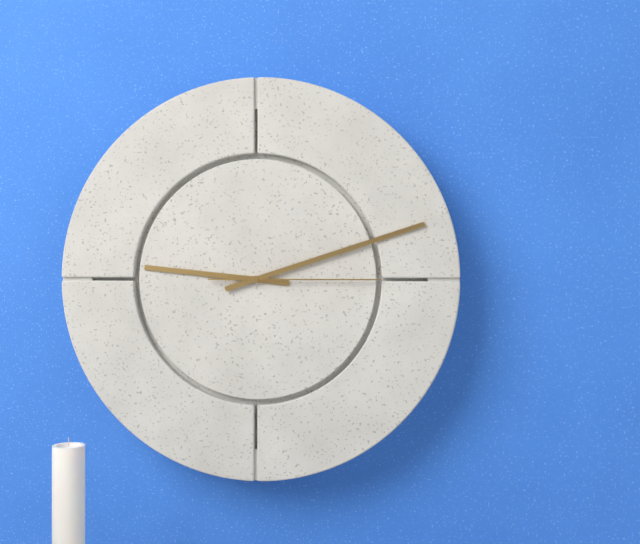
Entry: 9 h 12 min 15 s
